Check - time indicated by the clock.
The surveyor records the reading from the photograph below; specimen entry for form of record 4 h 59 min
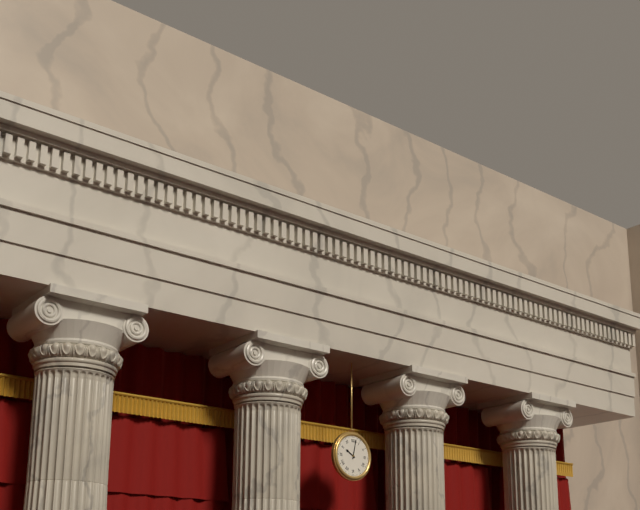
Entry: 10 h 02 min
